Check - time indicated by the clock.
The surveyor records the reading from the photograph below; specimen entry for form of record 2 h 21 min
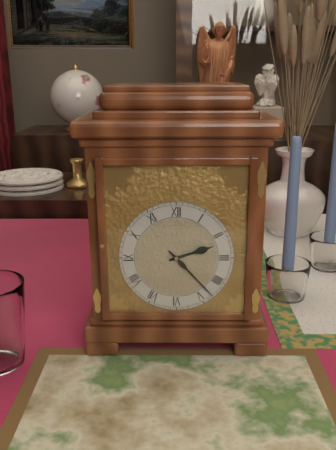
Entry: 2 h 23 min
